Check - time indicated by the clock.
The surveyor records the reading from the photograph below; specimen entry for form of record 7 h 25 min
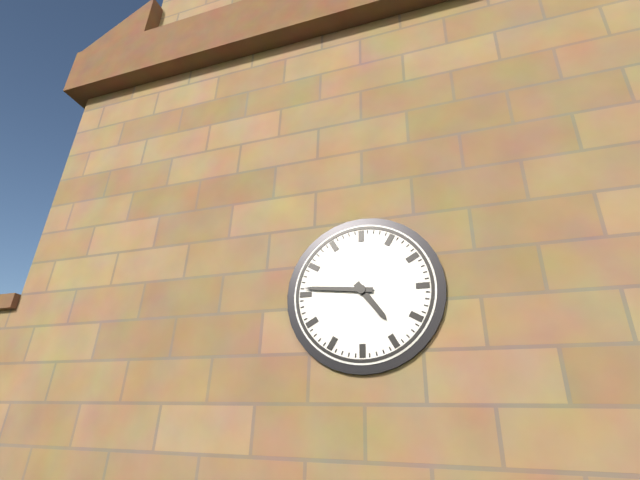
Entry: 4 h 46 min
